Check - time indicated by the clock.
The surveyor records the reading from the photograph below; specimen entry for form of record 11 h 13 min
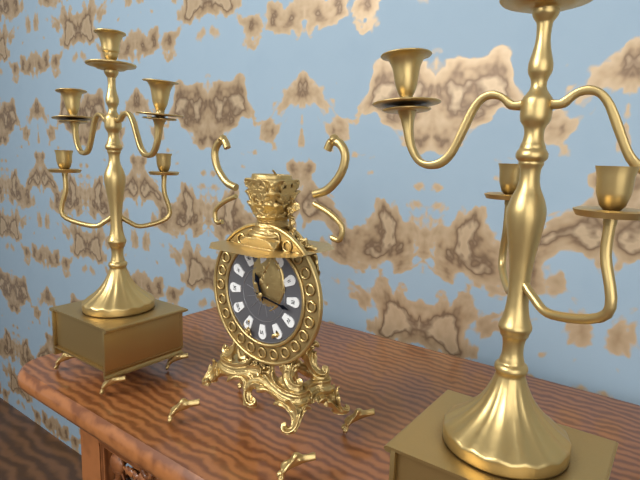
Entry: 11 h 17 min
